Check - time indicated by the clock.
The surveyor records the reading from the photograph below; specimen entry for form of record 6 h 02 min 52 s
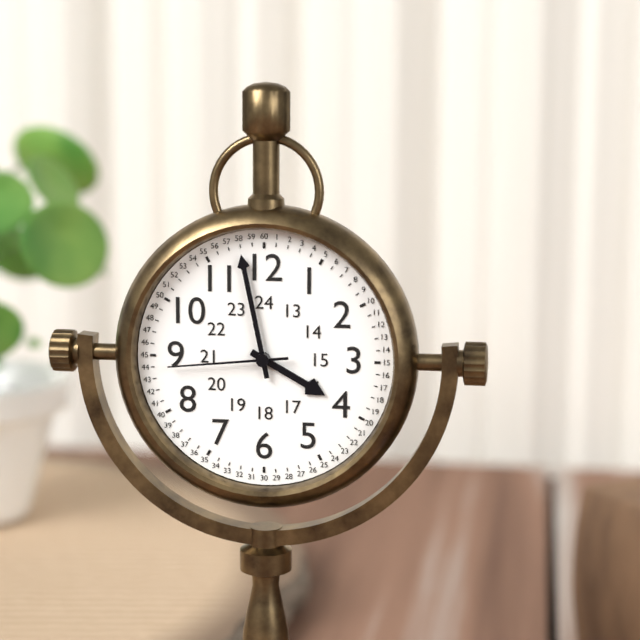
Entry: 3 h 58 min 44 s
